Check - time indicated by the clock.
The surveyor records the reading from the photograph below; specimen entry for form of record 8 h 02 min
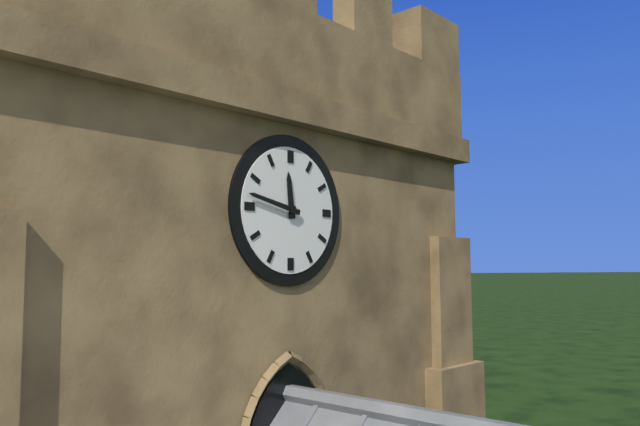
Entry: 11 h 47 min
